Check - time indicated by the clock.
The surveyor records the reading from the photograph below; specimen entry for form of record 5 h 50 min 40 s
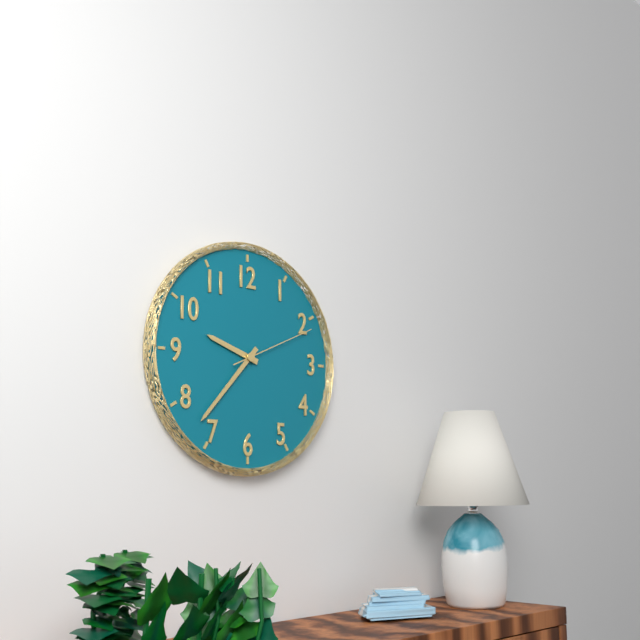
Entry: 9 h 37 min 11 s
